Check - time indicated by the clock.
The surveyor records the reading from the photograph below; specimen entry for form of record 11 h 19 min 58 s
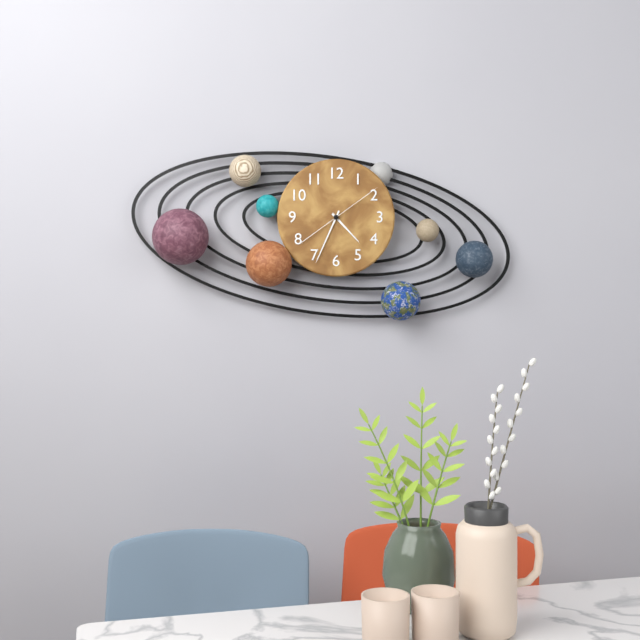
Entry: 4 h 34 min 09 s
